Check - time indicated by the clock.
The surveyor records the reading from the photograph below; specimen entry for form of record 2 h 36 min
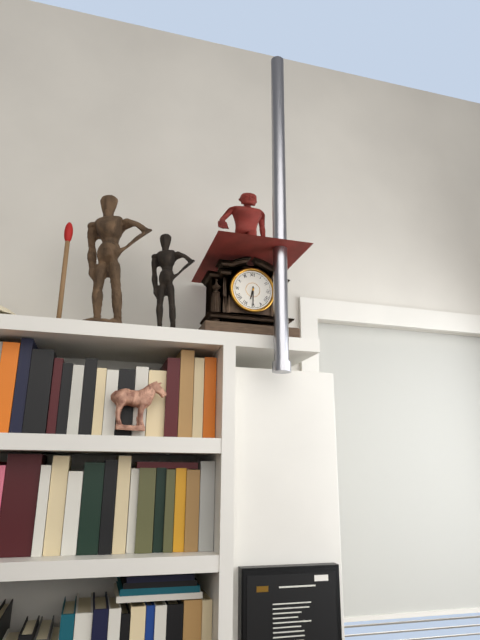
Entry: 6 h 30 min
